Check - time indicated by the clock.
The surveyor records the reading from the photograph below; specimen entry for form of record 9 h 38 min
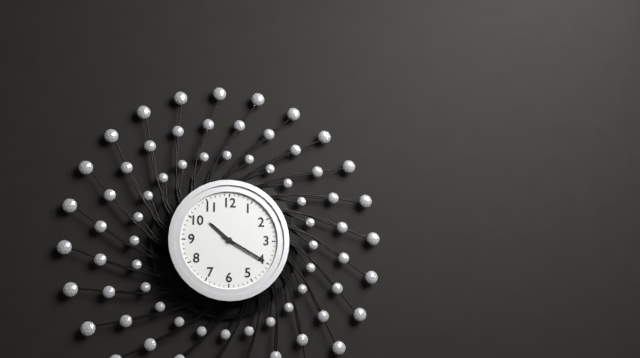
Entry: 10 h 20 min
